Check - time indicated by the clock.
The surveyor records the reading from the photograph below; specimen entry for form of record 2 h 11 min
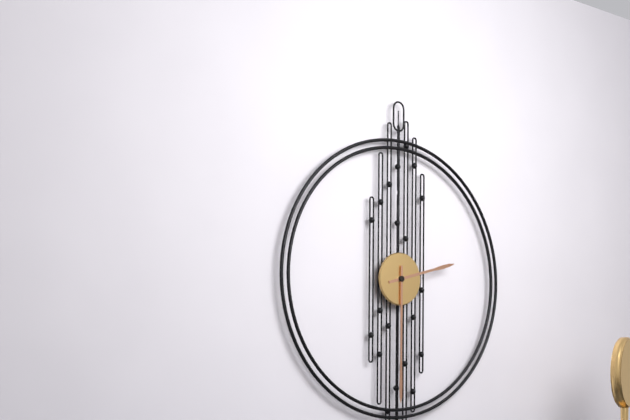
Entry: 2 h 30 min
